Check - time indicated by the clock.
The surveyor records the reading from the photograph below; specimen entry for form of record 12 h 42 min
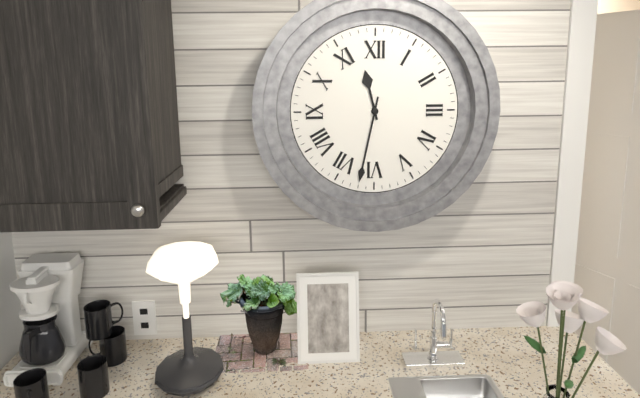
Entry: 11 h 32 min
